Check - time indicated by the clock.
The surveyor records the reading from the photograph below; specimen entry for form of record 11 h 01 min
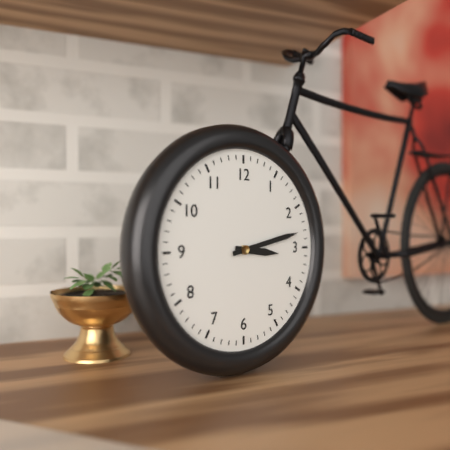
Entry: 3 h 13 min
